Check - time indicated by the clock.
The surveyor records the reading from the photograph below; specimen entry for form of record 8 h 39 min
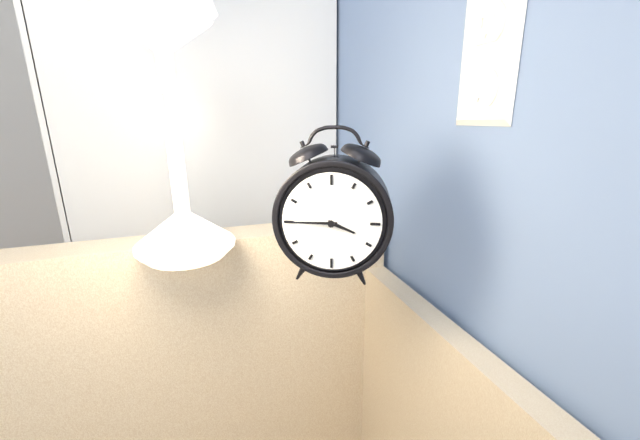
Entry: 3 h 45 min
